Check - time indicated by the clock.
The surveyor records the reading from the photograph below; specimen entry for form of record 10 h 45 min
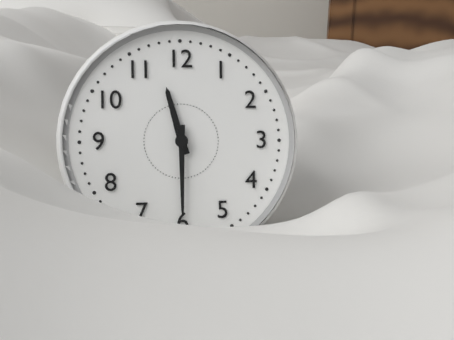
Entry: 11 h 30 min
